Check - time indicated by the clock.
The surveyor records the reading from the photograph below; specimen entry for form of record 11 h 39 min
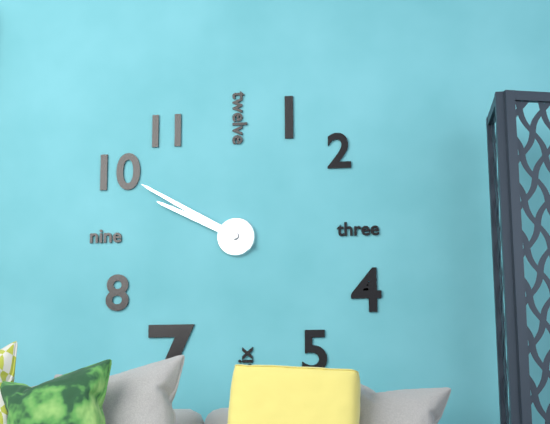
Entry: 9 h 50 min
